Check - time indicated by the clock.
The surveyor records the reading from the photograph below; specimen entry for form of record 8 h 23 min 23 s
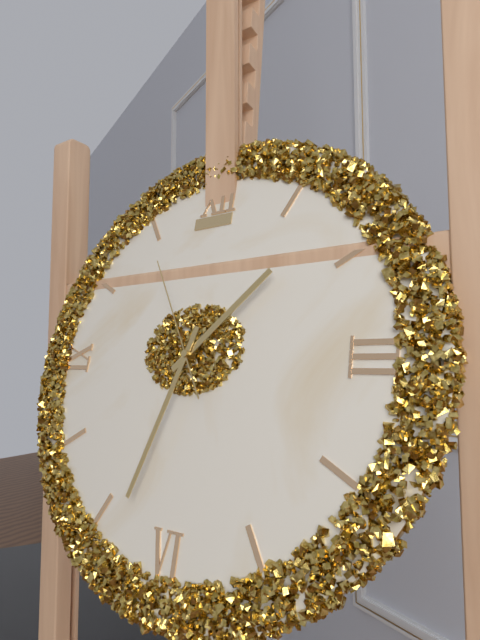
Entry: 1 h 33 min 55 s
